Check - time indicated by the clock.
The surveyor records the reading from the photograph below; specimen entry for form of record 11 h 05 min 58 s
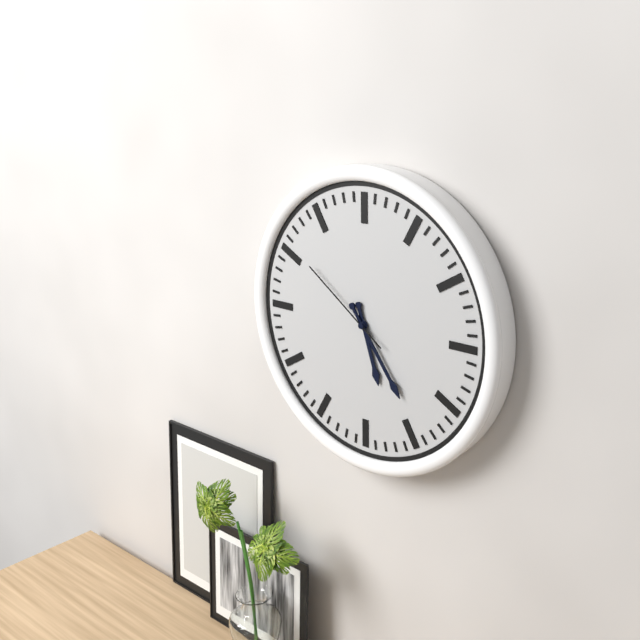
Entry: 5 h 24 min 51 s
